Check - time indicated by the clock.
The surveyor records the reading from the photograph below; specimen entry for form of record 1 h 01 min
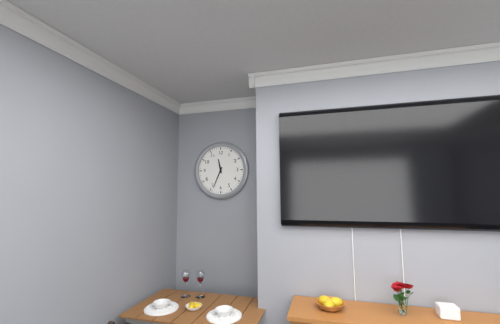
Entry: 11 h 34 min
